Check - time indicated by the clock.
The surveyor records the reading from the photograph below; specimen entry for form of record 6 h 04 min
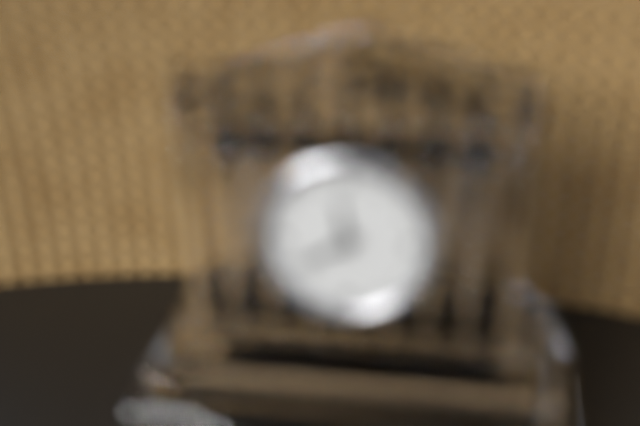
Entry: 11 h 40 min
